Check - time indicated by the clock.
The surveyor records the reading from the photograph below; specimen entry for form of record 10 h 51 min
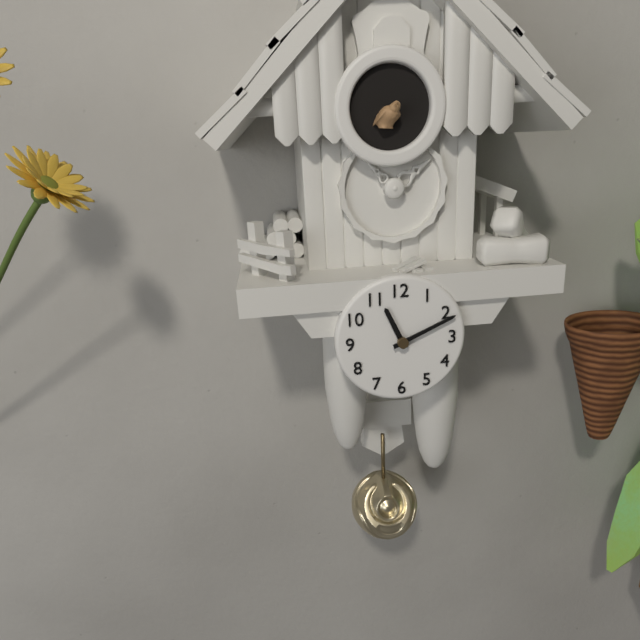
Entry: 11 h 11 min
